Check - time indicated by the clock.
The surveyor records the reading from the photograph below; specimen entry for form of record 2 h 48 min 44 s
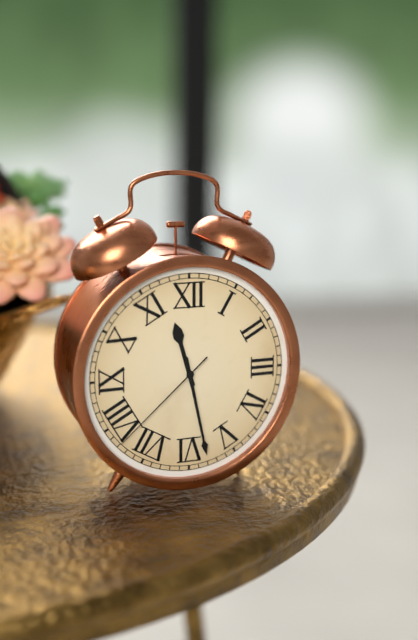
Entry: 11 h 28 min 38 s
